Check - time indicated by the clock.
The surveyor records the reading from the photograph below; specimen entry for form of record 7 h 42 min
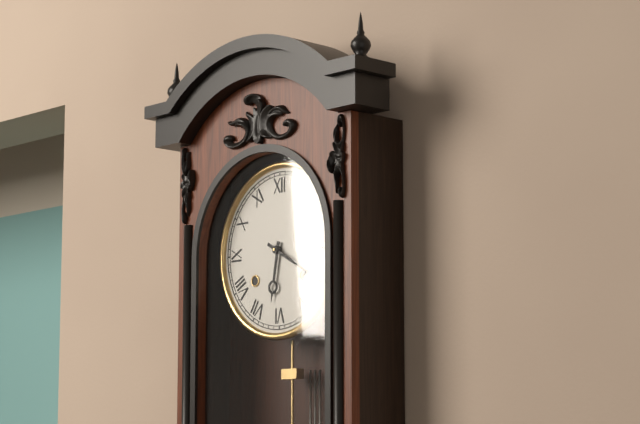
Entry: 6 h 20 min
